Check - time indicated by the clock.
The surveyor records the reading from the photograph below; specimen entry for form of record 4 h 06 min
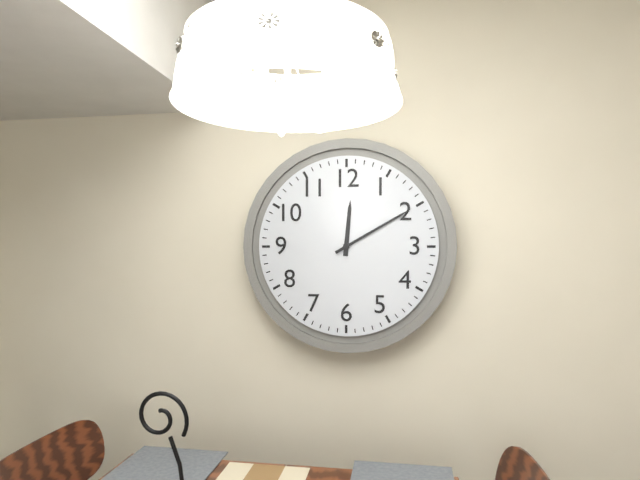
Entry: 12 h 10 min
